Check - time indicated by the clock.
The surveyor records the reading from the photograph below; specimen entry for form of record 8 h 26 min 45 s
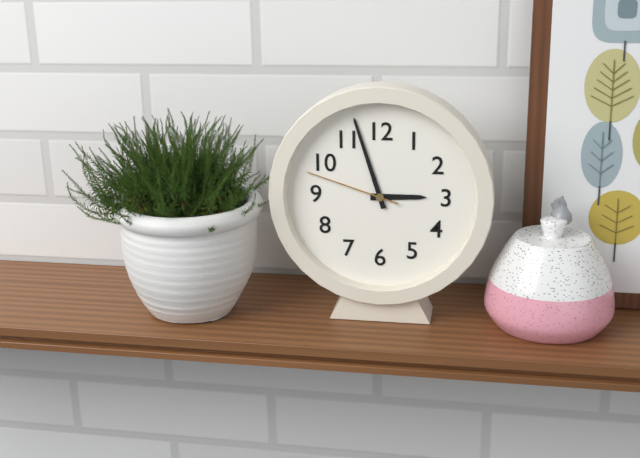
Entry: 2 h 57 min 48 s
